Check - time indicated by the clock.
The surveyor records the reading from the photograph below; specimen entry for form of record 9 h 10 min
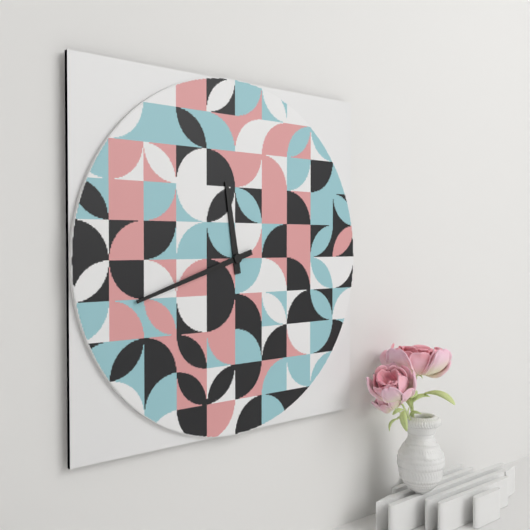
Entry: 11 h 42 min
